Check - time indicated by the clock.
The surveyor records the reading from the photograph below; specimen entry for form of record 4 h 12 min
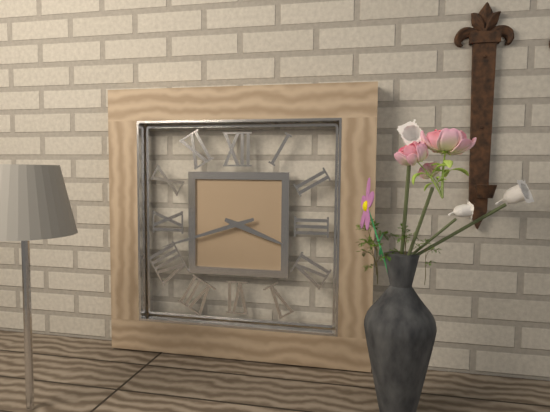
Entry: 3 h 42 min
